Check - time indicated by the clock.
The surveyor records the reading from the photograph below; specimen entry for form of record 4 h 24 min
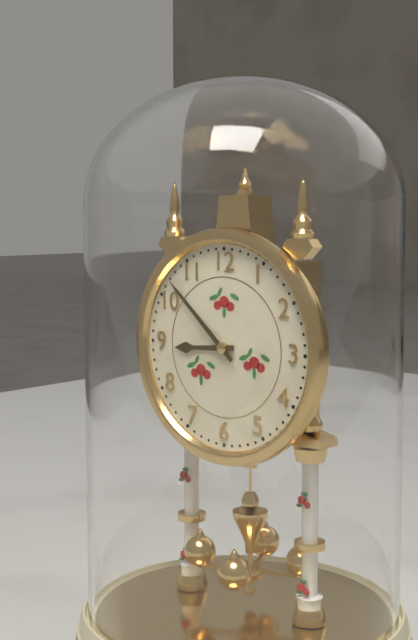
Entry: 8 h 52 min
